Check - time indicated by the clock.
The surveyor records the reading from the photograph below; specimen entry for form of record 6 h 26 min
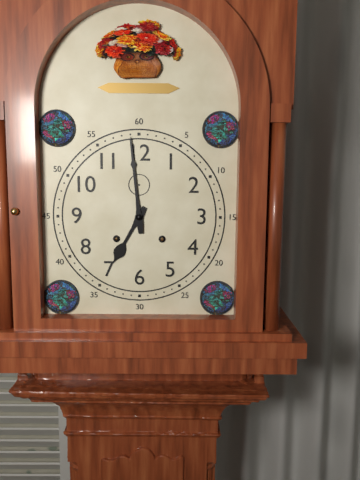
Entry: 6 h 59 min
